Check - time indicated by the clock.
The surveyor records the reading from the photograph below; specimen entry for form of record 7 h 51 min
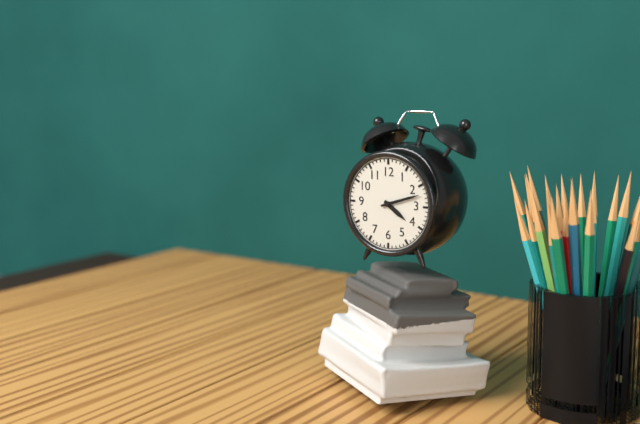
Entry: 4 h 12 min
